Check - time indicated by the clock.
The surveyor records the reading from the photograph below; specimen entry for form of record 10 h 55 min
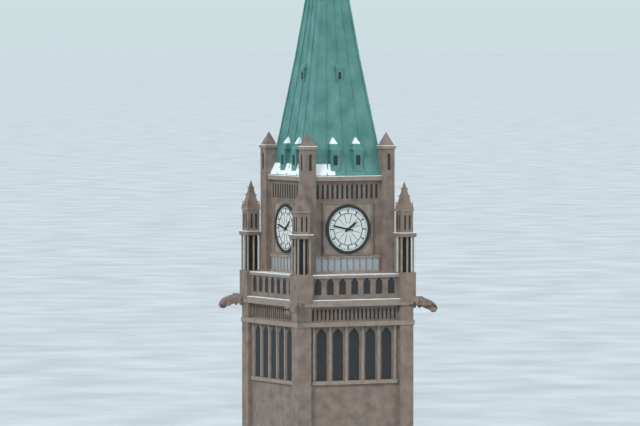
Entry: 1 h 47 min
